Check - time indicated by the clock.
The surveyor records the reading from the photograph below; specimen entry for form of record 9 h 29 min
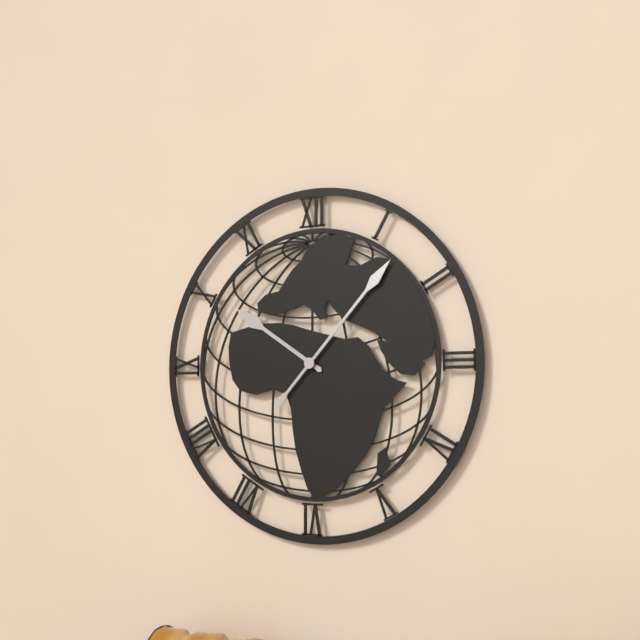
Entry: 10 h 07 min
